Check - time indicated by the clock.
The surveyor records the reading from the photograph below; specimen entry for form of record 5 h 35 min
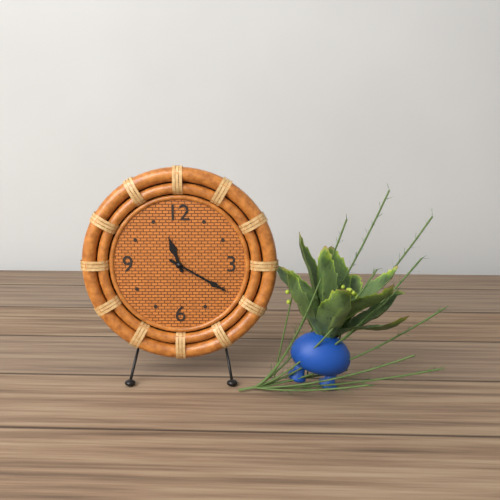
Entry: 11 h 20 min
